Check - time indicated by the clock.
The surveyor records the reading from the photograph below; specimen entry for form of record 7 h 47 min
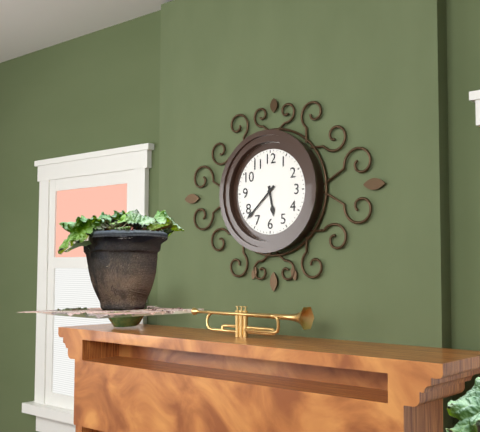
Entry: 5 h 38 min
